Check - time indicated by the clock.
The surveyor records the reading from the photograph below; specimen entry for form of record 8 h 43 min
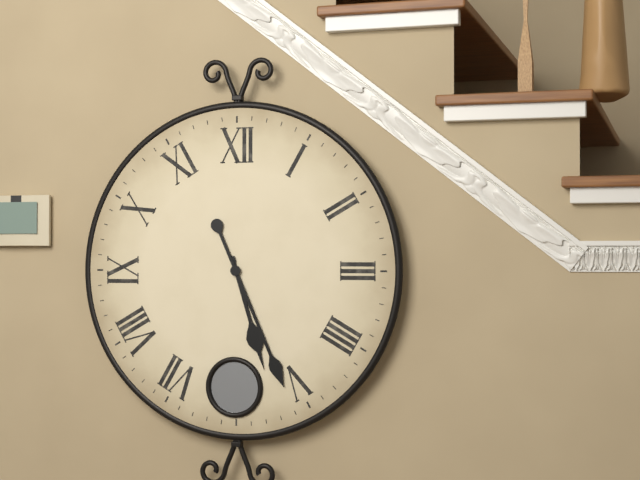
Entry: 5 h 26 min
